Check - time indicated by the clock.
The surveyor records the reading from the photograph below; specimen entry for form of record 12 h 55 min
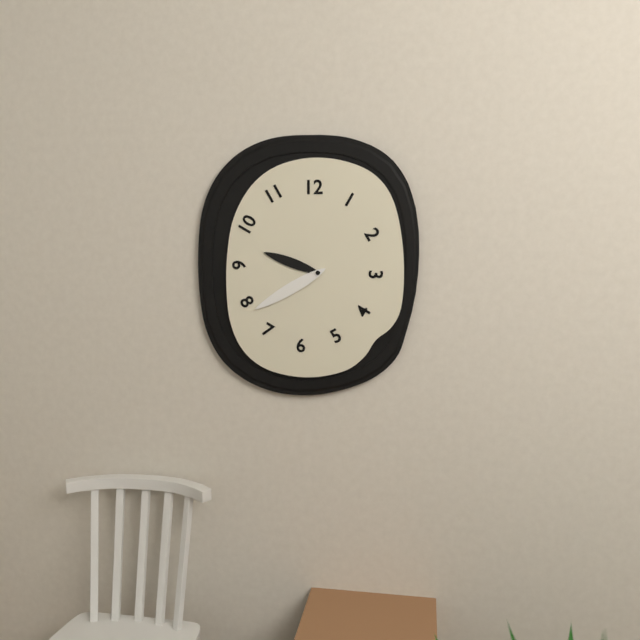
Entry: 9 h 40 min
